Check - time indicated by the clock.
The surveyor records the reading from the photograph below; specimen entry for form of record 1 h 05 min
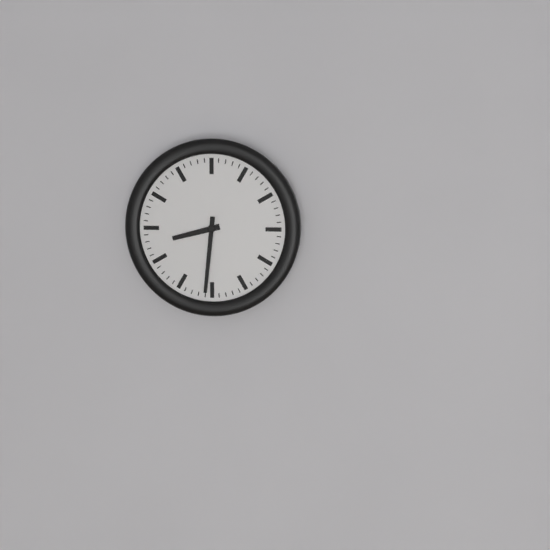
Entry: 8 h 31 min
